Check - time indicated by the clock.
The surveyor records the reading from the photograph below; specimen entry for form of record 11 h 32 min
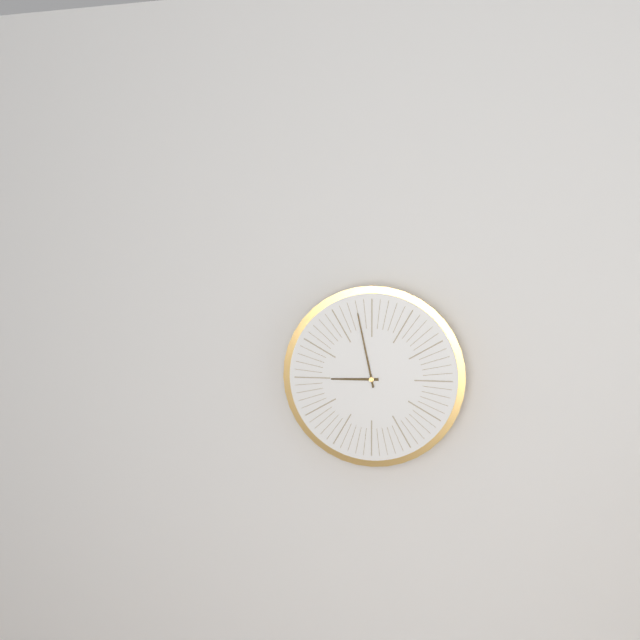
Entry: 8 h 58 min
